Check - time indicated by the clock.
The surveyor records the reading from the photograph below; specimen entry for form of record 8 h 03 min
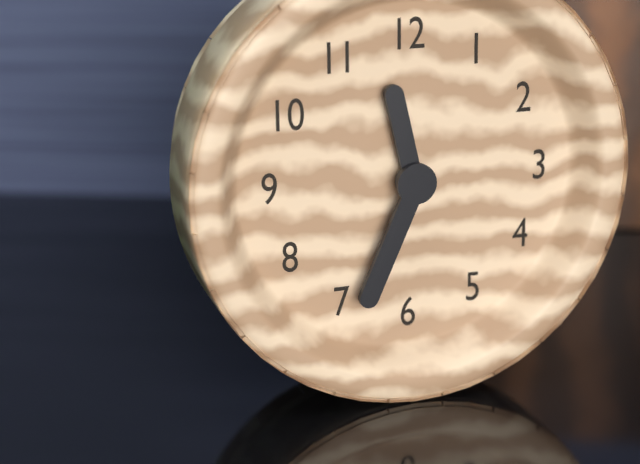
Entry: 11 h 34 min
